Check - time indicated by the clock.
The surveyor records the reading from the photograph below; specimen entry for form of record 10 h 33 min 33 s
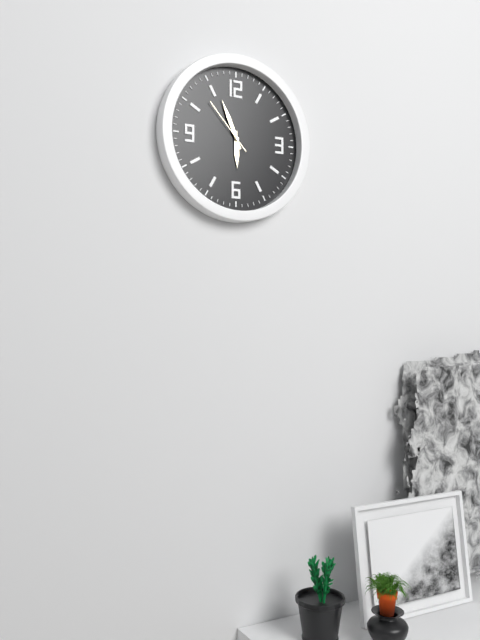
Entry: 5 h 56 min 53 s
